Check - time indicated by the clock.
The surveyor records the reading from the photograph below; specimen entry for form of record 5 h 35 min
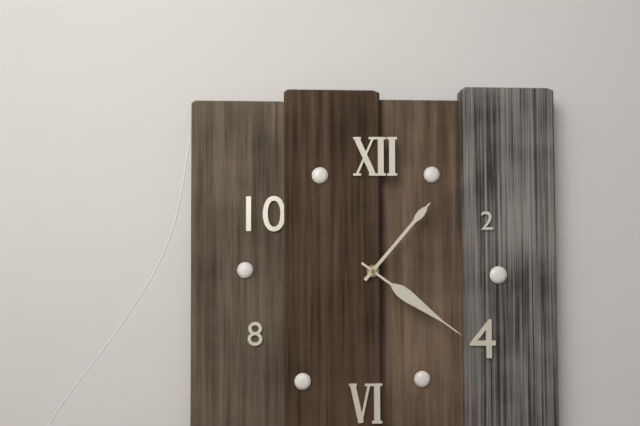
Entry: 1 h 21 min
